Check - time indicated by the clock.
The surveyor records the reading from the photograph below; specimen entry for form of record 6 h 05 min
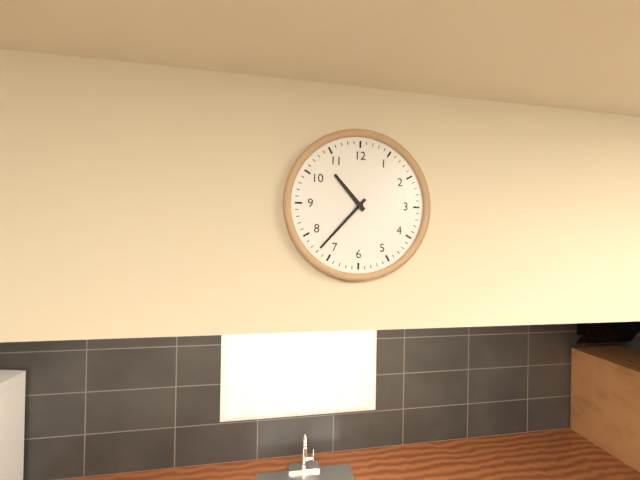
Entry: 10 h 37 min
